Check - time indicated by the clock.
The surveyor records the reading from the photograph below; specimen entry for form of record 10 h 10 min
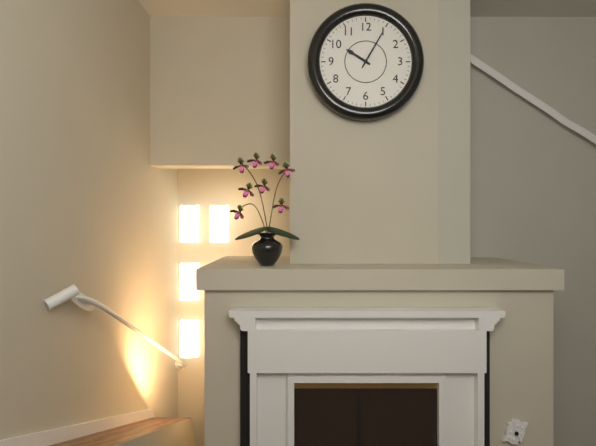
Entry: 10 h 05 min
